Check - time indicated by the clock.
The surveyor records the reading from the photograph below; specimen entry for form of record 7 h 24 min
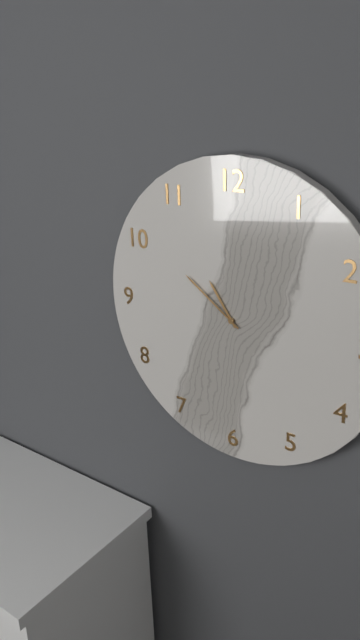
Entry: 10 h 51 min
